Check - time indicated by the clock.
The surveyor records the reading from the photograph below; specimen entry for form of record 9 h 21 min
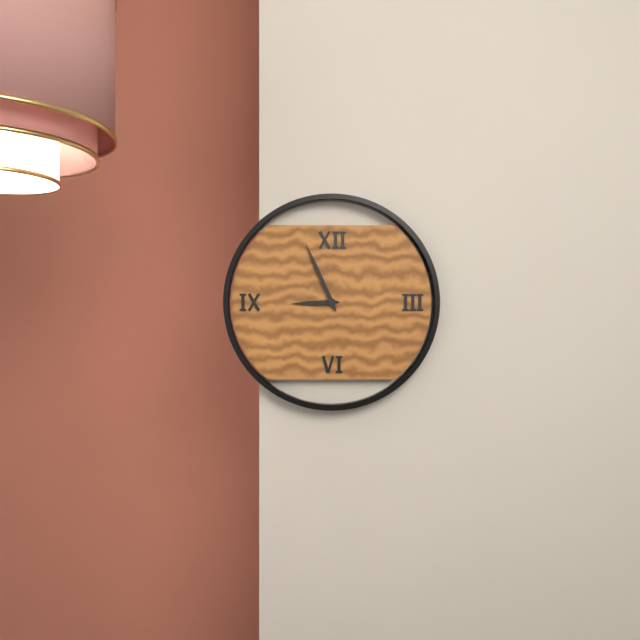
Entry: 8 h 56 min
